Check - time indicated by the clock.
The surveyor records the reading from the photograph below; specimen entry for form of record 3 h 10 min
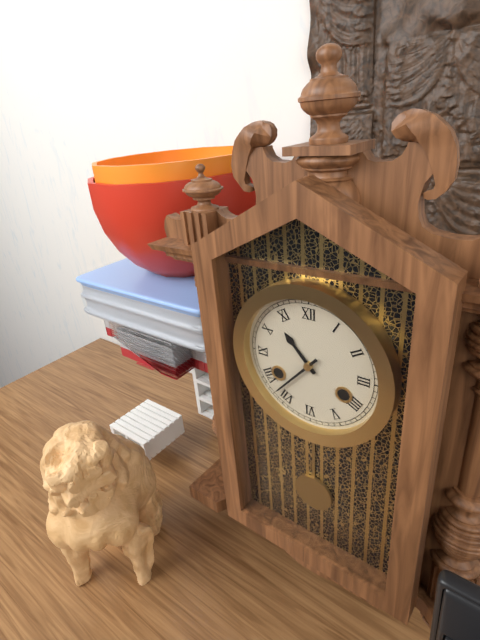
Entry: 10 h 37 min
